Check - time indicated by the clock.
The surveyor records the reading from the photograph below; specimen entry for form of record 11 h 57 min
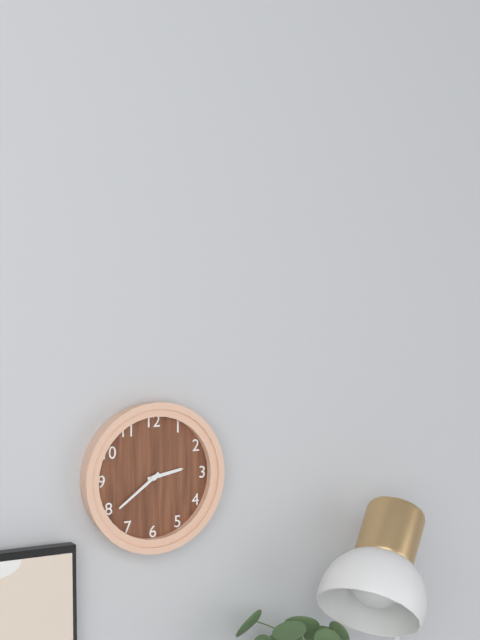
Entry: 2 h 39 min
